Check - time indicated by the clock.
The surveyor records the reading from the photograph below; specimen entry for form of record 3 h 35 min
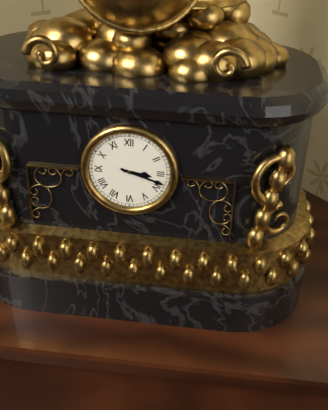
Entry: 3 h 18 min
